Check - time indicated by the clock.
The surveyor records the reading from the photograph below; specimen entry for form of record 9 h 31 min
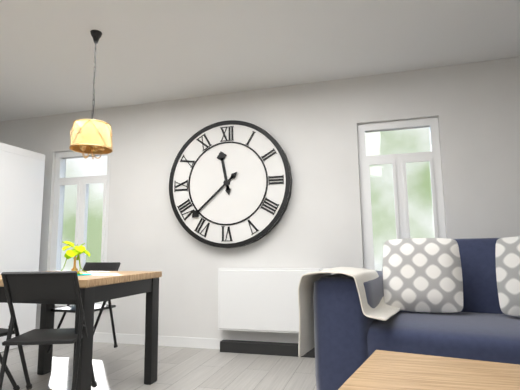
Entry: 11 h 38 min
